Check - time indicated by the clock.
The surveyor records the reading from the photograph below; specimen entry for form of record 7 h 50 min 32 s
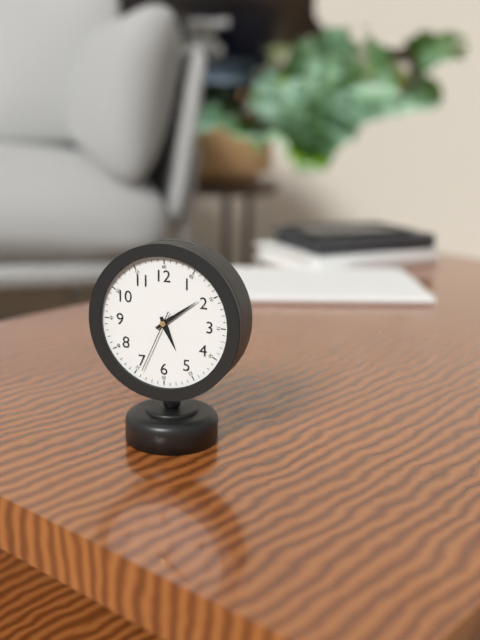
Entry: 5 h 09 min 34 s
